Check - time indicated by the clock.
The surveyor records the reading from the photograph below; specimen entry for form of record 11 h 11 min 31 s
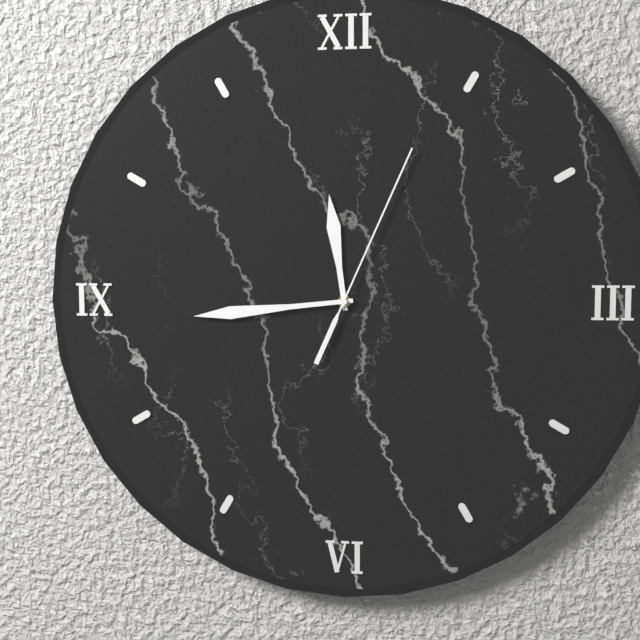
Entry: 11 h 44 min 04 s
